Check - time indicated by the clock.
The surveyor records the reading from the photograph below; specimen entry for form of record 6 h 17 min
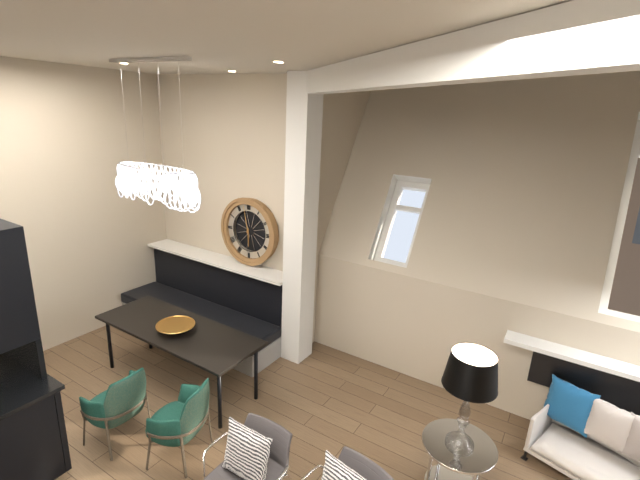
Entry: 5 h 58 min
